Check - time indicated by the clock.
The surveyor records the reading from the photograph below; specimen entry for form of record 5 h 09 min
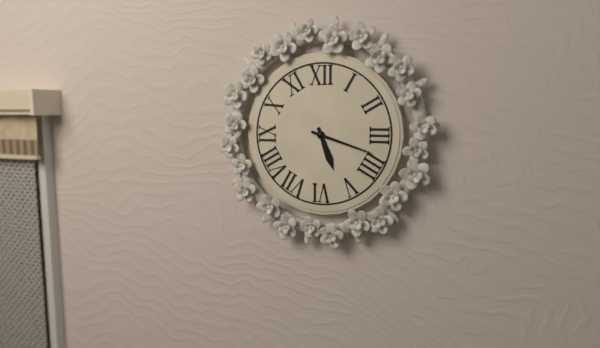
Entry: 5 h 18 min
